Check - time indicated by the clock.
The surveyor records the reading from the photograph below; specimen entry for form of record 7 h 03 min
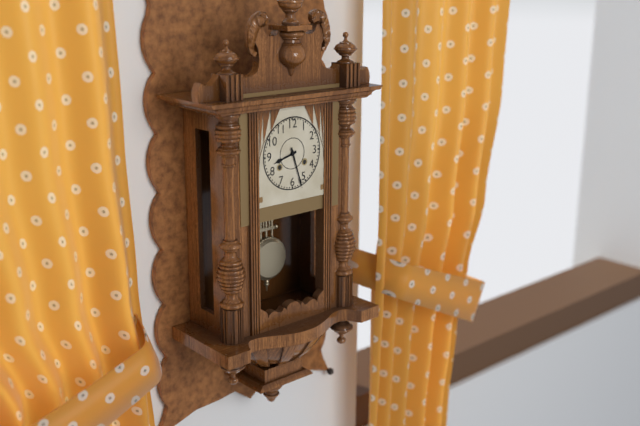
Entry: 8 h 27 min
